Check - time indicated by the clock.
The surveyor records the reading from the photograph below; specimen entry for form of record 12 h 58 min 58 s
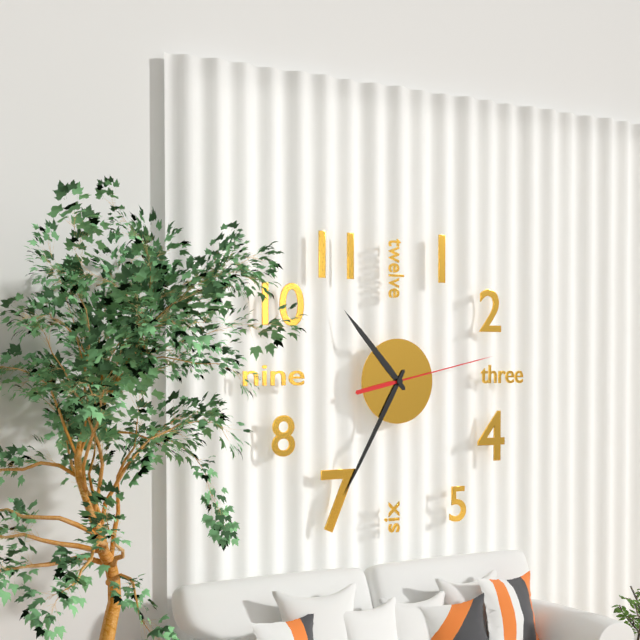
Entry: 10 h 35 min 13 s
